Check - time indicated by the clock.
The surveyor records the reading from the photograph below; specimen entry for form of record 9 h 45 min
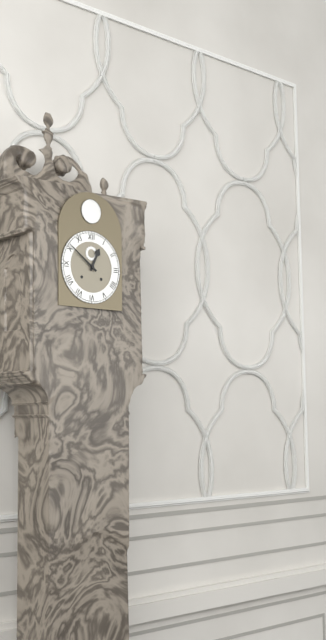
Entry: 12 h 51 min
